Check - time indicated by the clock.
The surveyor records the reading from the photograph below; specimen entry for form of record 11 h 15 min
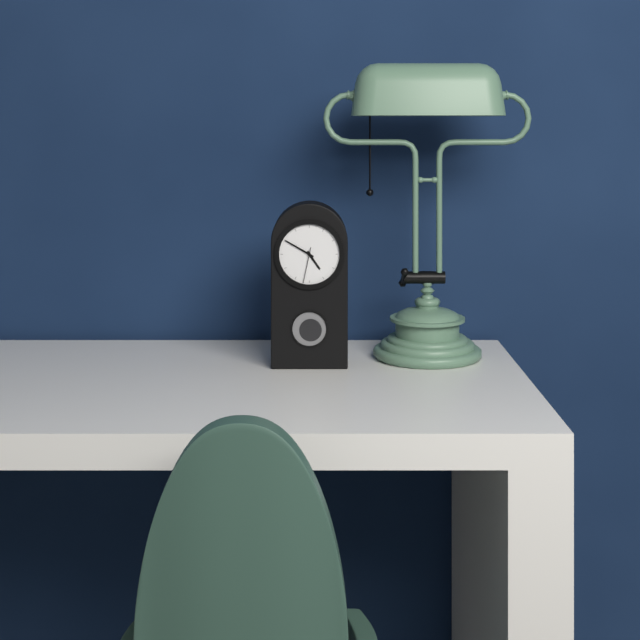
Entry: 4 h 50 min
